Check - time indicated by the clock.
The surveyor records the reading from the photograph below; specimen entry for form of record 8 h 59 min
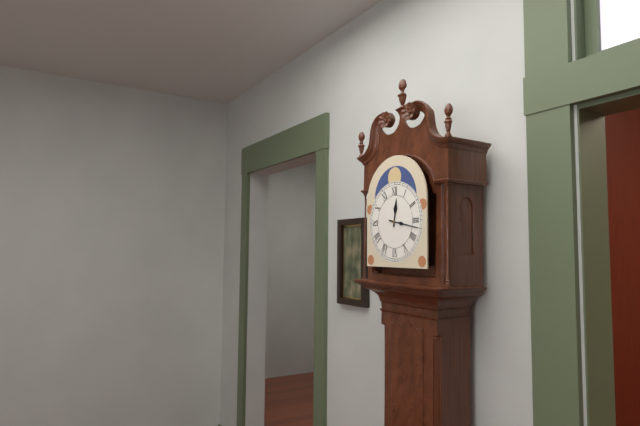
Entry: 12 h 17 min
